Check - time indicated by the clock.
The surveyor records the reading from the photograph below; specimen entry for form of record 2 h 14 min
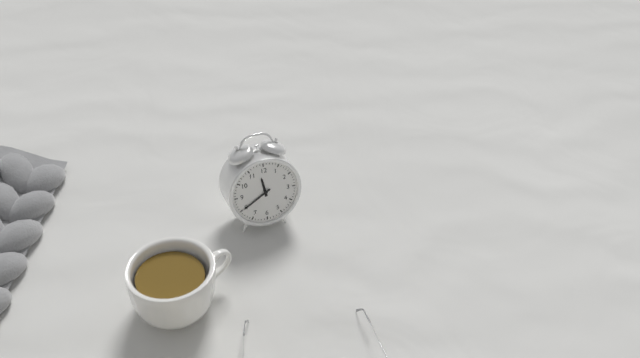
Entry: 11 h 40 min
